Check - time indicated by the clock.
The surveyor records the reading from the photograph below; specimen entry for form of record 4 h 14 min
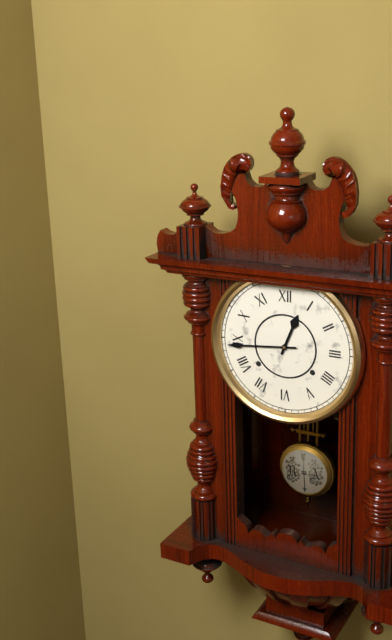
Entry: 12 h 44 min
